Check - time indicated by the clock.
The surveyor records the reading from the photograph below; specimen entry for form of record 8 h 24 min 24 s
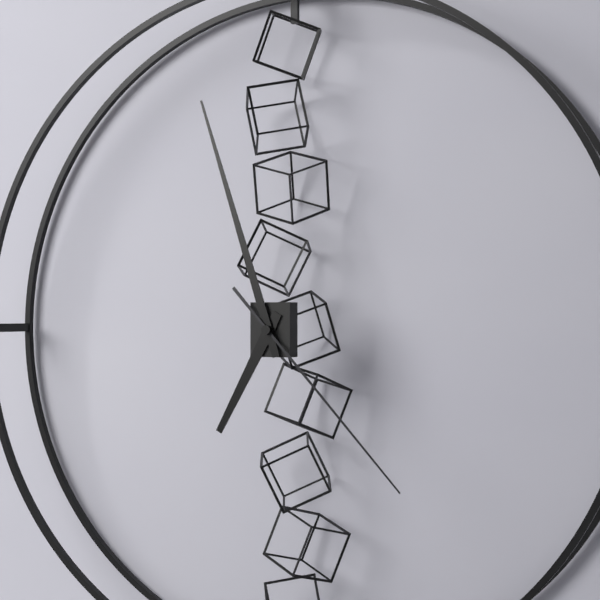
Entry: 6 h 57 min 23 s
